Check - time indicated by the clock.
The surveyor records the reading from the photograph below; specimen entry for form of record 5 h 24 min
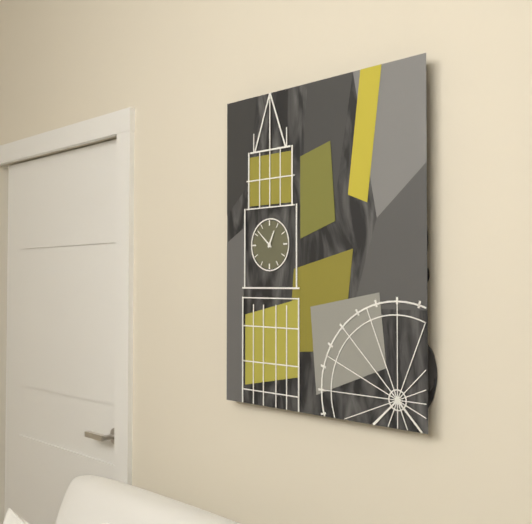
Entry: 12 h 52 min
